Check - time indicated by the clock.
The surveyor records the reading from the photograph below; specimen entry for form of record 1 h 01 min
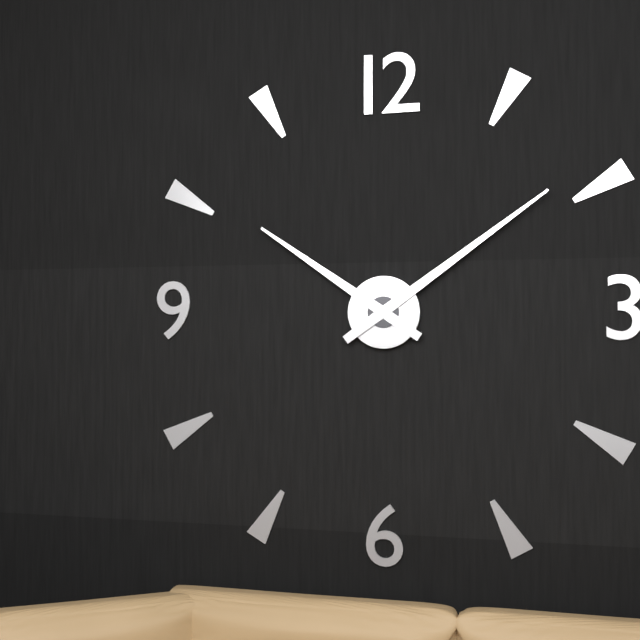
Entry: 10 h 09 min
